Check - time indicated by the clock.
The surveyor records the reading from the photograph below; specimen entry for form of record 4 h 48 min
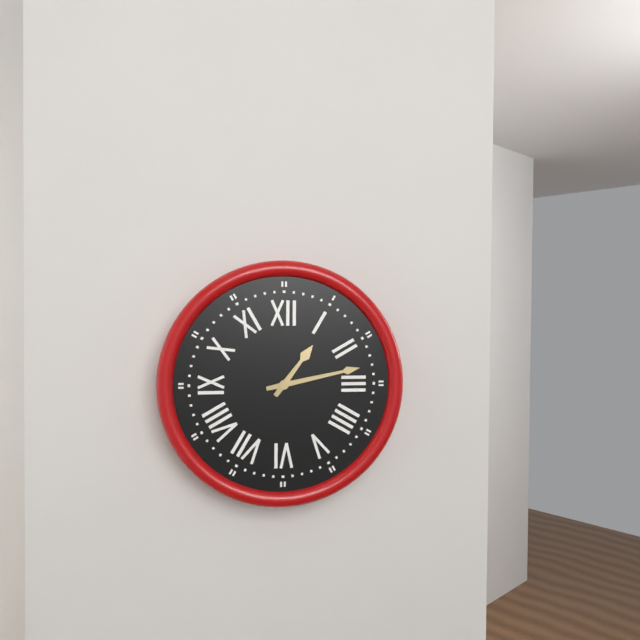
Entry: 1 h 13 min
